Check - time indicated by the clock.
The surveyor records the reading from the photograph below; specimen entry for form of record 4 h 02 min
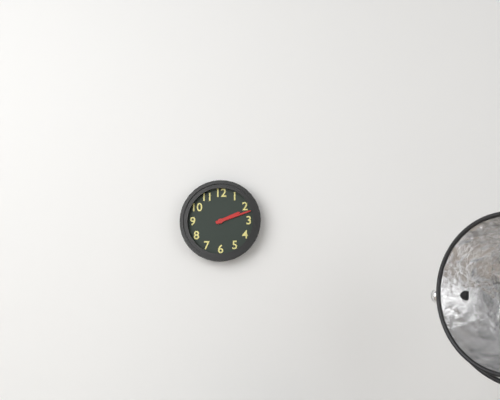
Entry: 2 h 12 min
